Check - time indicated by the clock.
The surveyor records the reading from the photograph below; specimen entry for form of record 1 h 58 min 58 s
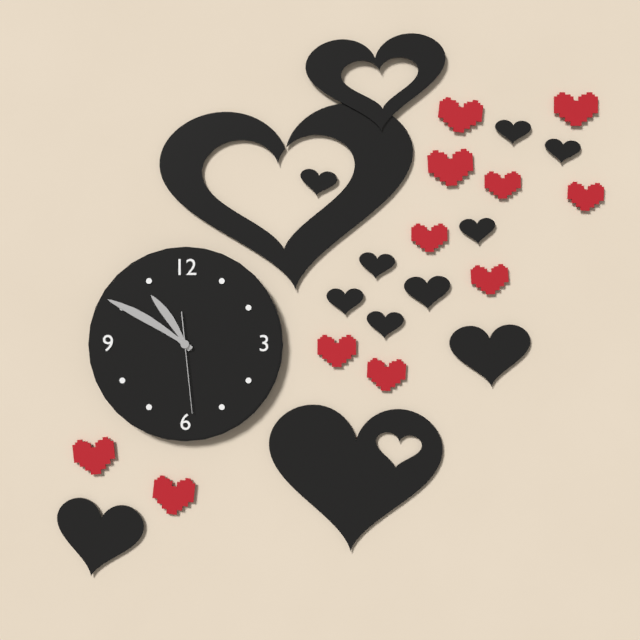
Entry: 10 h 50 min 29 s
